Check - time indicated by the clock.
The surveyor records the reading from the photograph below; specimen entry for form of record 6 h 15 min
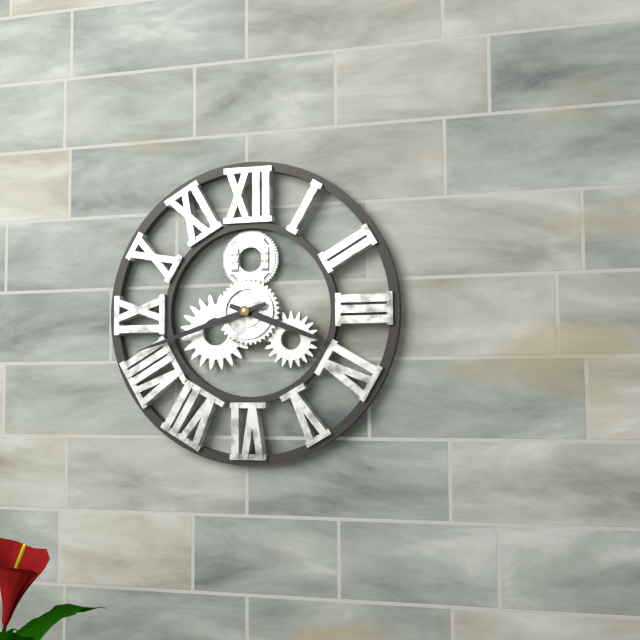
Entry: 3 h 42 min
